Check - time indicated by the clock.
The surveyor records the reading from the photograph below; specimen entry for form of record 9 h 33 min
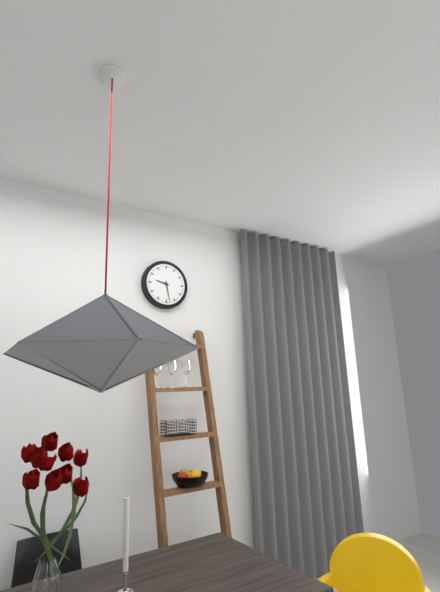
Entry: 9 h 28 min
